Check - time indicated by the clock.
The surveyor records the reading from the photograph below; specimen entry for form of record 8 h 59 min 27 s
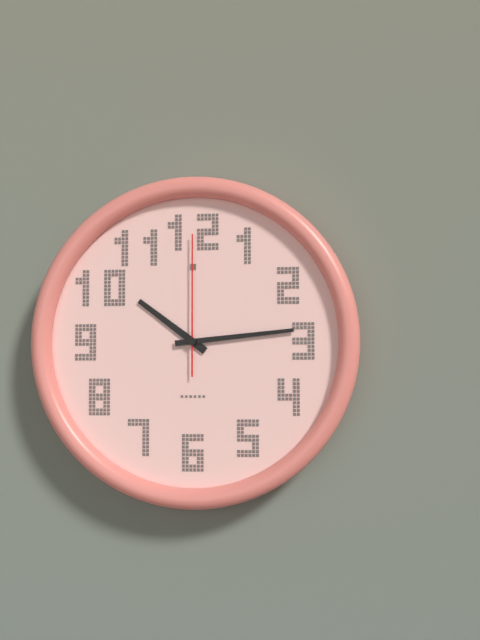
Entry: 10 h 14 min 00 s
